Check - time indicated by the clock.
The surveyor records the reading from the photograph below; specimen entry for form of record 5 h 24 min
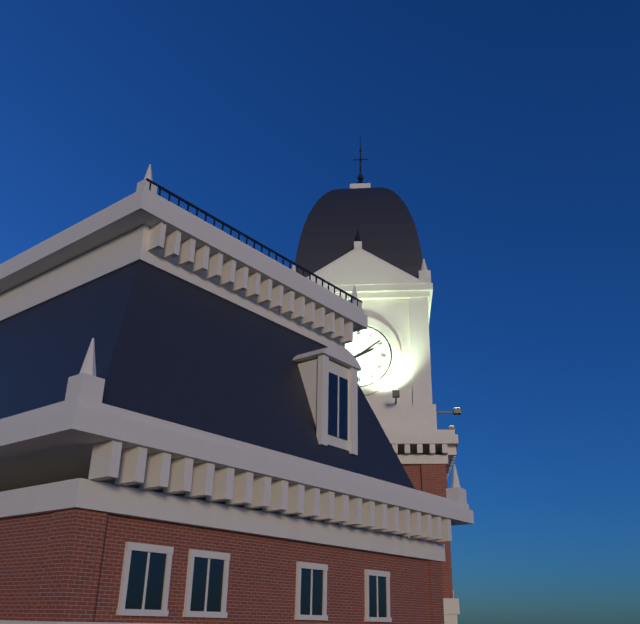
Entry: 2 h 09 min
